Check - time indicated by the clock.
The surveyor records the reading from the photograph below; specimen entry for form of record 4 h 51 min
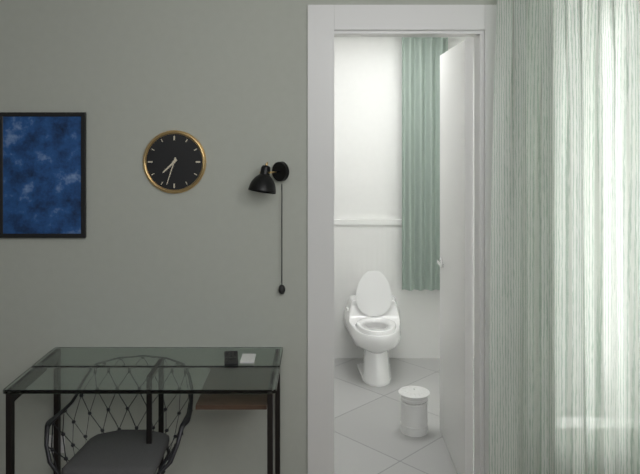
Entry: 7 h 33 min
